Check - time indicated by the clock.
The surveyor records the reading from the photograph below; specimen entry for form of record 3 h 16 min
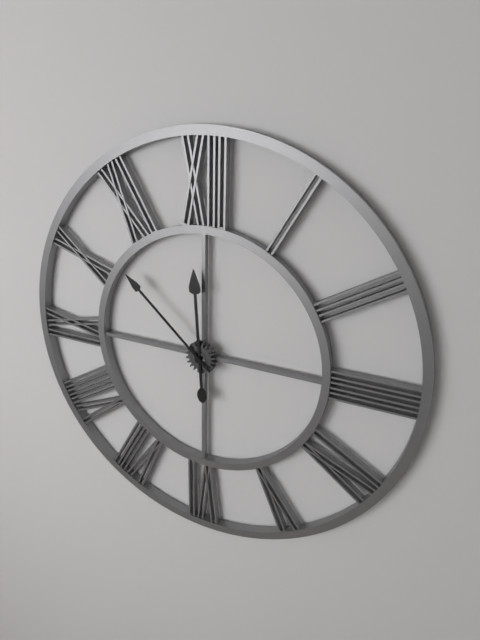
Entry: 11 h 52 min
